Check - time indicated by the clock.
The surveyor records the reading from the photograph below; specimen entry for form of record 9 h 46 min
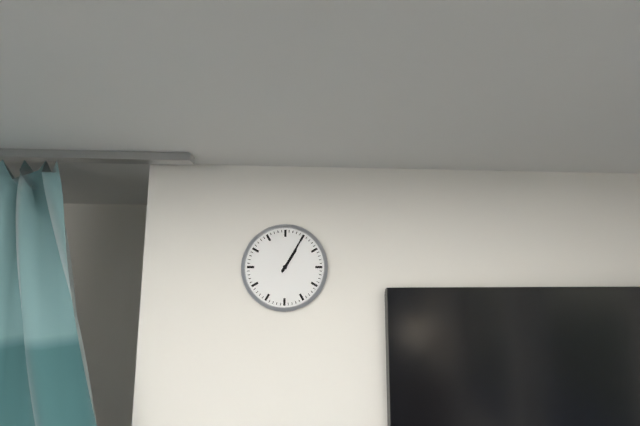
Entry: 1 h 05 min
